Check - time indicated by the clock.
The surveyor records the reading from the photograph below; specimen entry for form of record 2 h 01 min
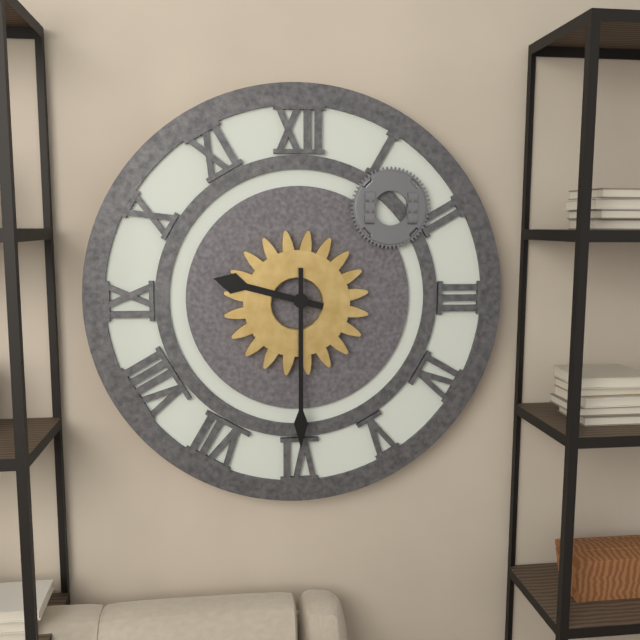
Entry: 9 h 30 min
